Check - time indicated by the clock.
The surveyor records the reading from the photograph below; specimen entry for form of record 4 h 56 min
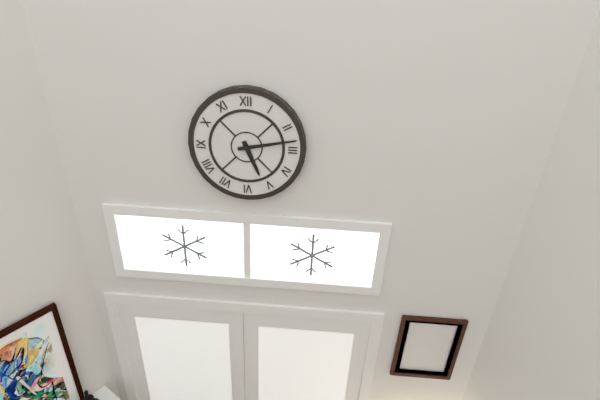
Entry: 5 h 13 min
